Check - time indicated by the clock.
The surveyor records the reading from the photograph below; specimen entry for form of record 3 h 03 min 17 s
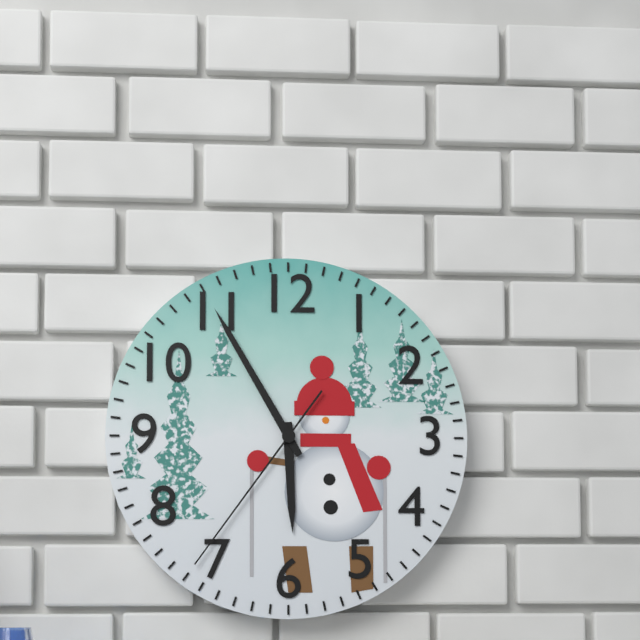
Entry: 5 h 55 min 36 s
